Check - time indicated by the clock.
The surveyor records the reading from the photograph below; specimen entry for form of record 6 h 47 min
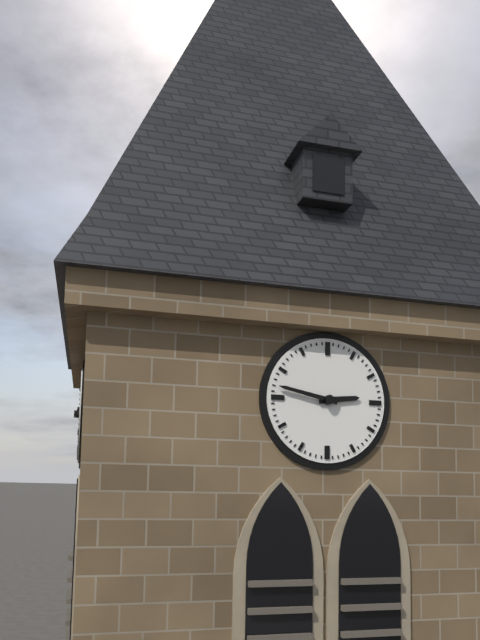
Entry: 2 h 47 min
